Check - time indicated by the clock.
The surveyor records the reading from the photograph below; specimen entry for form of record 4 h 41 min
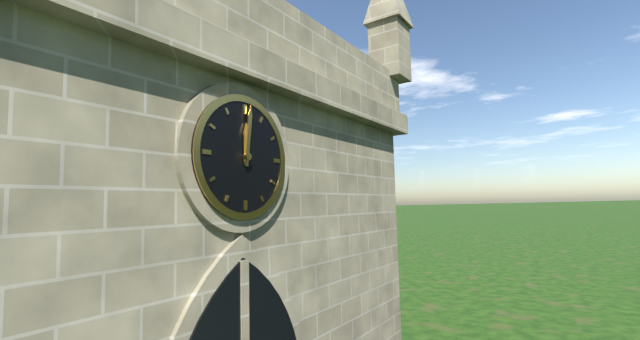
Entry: 12 h 01 min
